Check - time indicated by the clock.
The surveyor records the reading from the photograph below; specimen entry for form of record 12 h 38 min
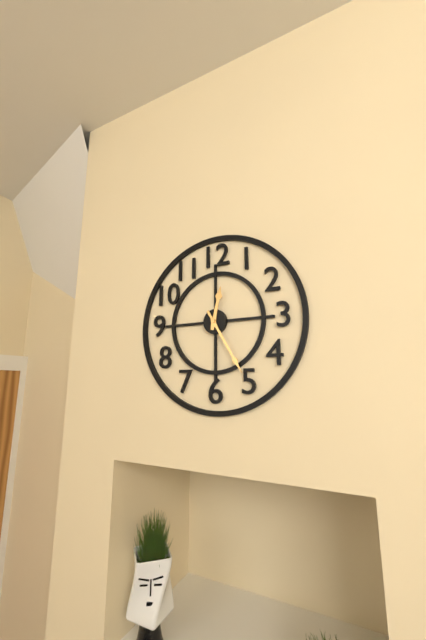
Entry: 12 h 25 min
